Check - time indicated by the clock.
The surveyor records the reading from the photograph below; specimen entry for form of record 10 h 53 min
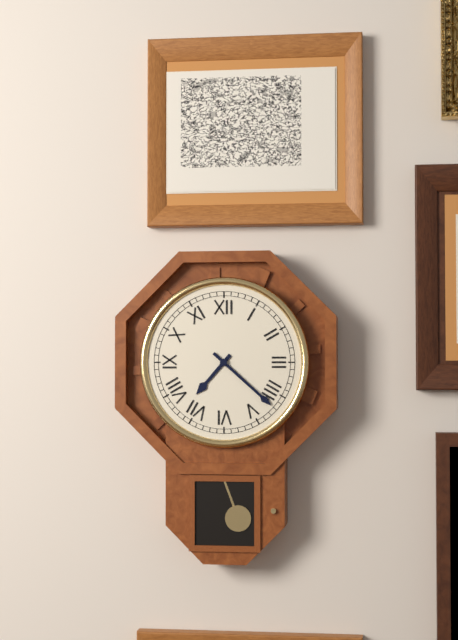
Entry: 7 h 22 min
